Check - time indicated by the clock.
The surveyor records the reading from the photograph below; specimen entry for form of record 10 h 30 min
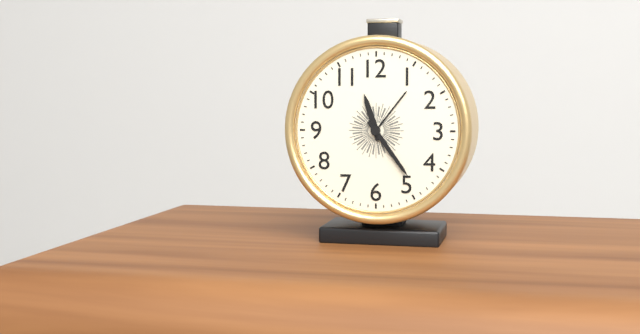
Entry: 11 h 24 min
